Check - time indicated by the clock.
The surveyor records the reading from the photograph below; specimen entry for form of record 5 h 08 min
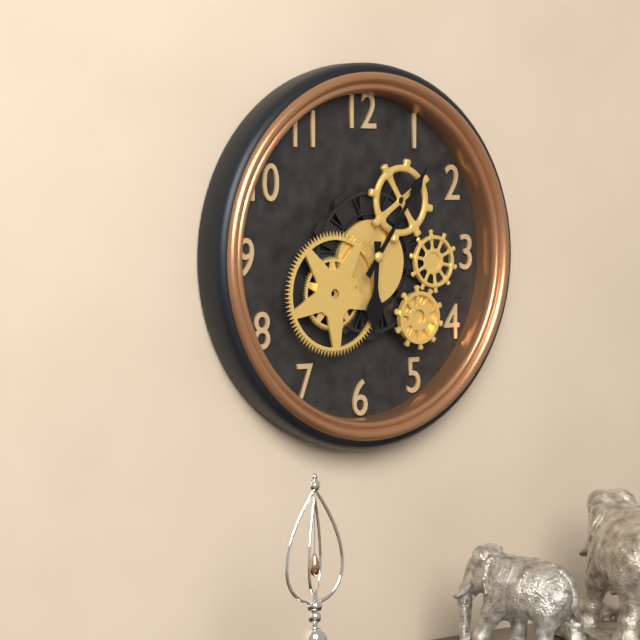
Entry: 6 h 06 min
